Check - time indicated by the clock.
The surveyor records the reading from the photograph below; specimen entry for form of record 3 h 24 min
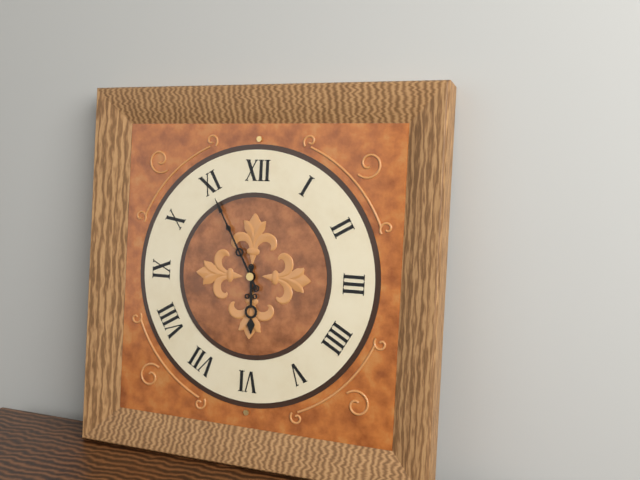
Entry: 5 h 55 min
